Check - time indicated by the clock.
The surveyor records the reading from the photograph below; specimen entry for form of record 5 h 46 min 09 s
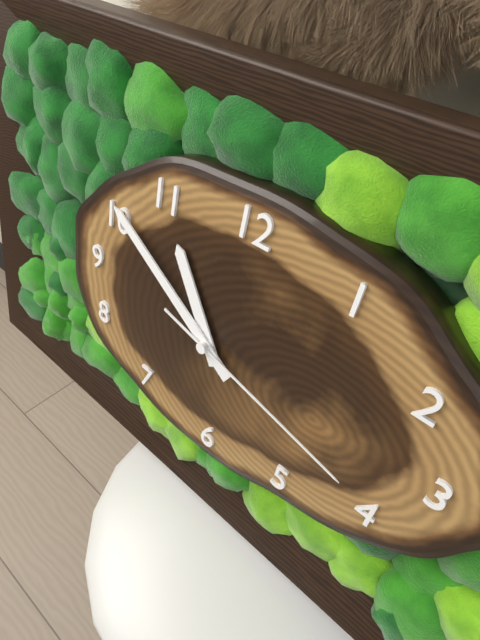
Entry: 10 h 50 min 17 s
